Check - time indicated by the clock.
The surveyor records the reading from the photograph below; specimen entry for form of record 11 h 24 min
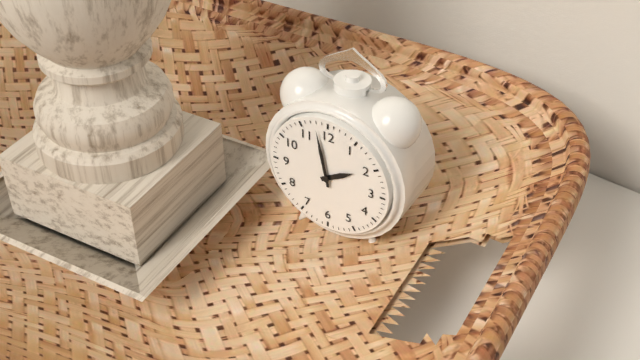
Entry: 1 h 58 min
